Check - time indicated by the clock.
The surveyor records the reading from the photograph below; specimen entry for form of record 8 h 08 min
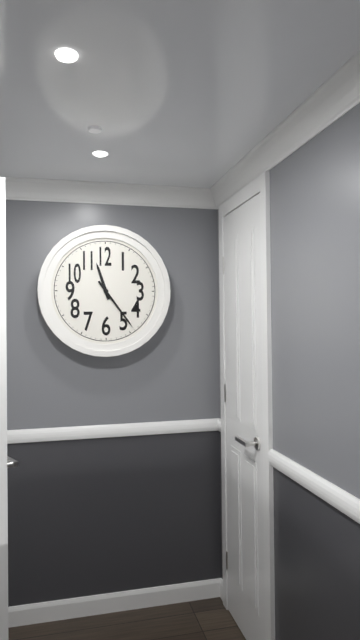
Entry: 11 h 24 min
